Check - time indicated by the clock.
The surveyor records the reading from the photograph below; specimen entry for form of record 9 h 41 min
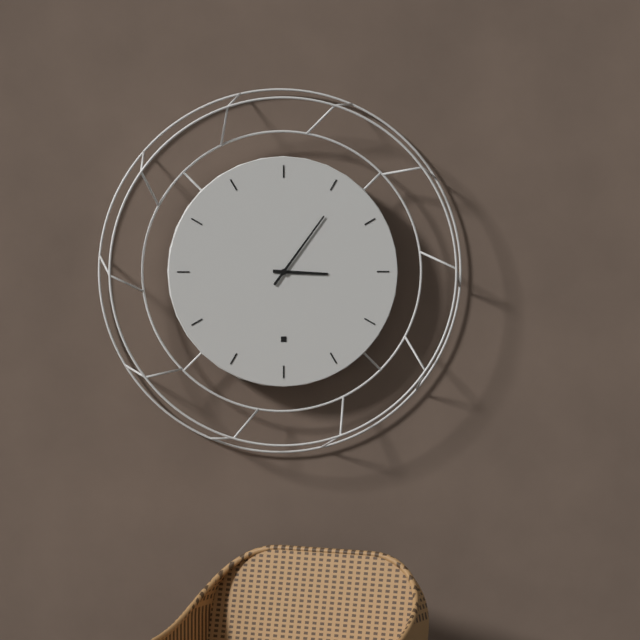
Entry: 3 h 06 min
